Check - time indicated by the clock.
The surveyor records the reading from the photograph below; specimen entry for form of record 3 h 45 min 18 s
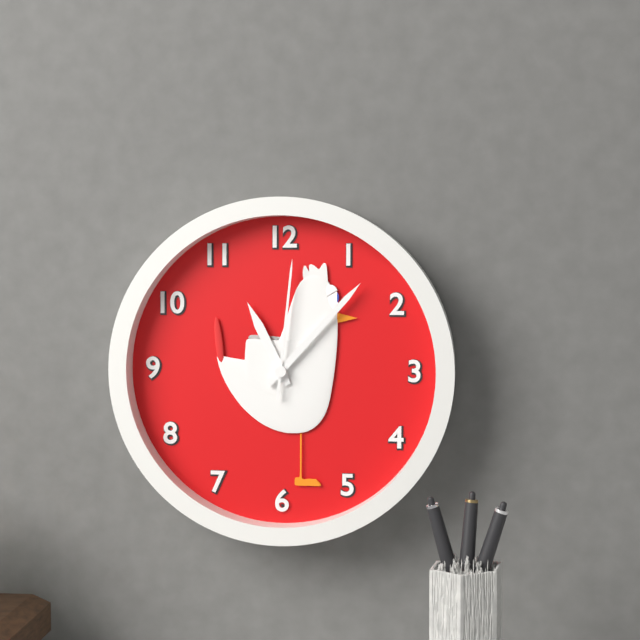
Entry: 11 h 07 min 01 s
